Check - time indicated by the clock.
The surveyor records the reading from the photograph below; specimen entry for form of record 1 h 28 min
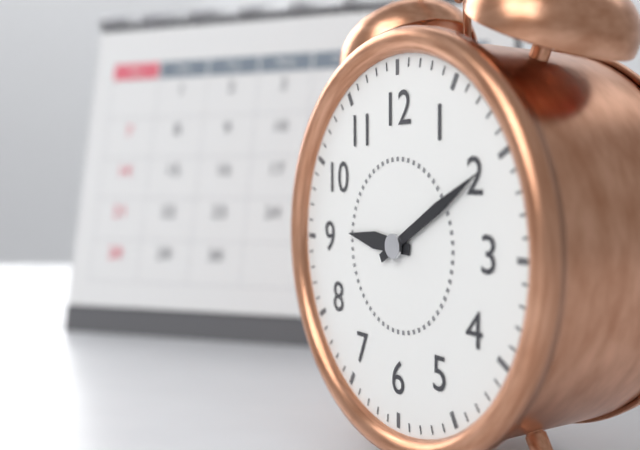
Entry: 9 h 10 min
